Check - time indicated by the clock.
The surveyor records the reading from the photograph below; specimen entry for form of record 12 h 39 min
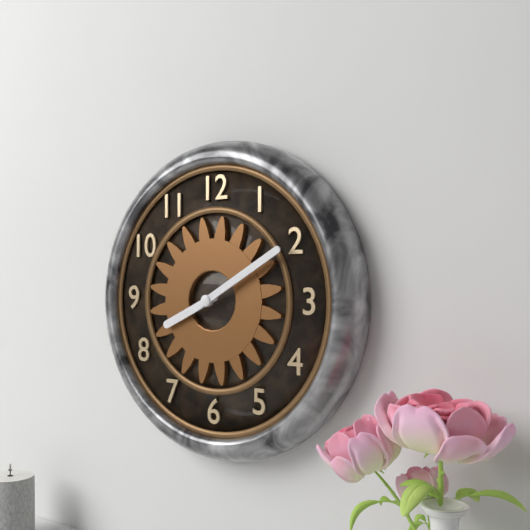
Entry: 8 h 10 min
